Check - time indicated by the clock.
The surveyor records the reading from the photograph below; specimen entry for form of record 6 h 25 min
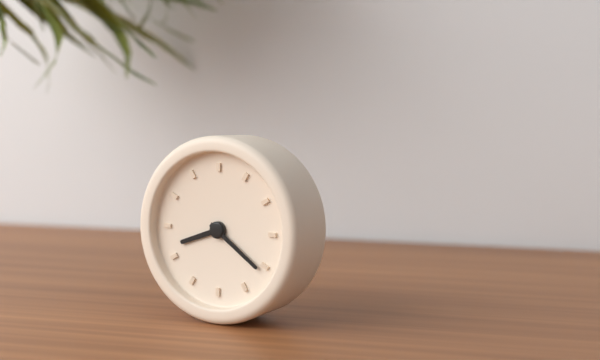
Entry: 8 h 21 min
